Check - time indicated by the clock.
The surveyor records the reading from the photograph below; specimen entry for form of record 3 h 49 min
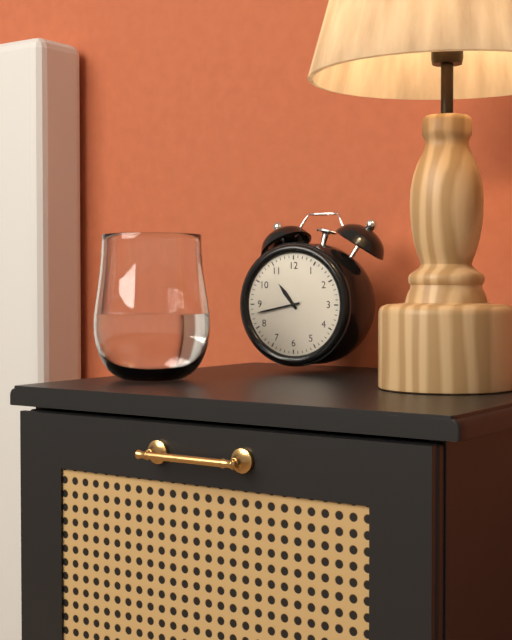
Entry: 10 h 43 min
